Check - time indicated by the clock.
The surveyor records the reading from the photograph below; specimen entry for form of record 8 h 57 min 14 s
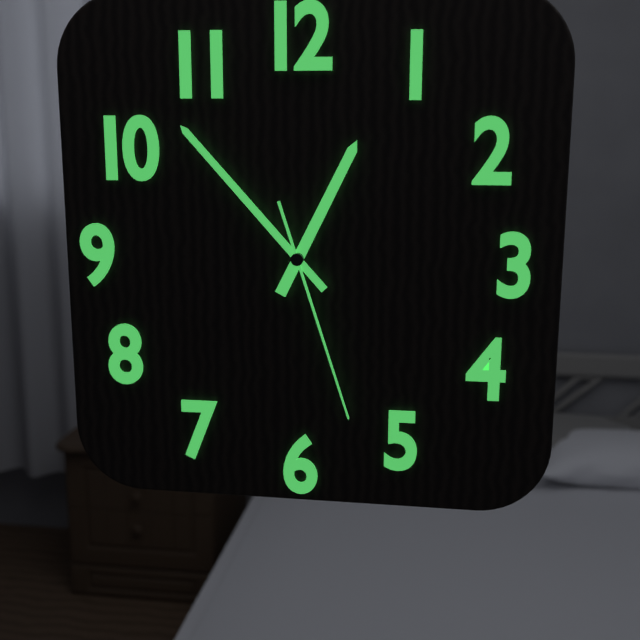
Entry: 12 h 53 min 27 s
